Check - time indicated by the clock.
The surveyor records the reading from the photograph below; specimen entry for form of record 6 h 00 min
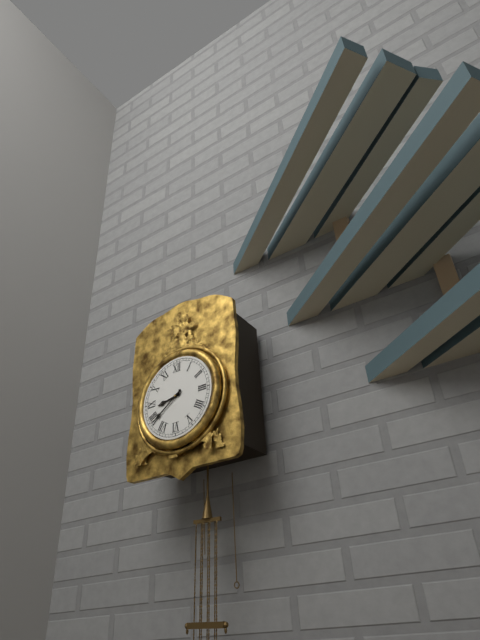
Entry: 8 h 39 min
